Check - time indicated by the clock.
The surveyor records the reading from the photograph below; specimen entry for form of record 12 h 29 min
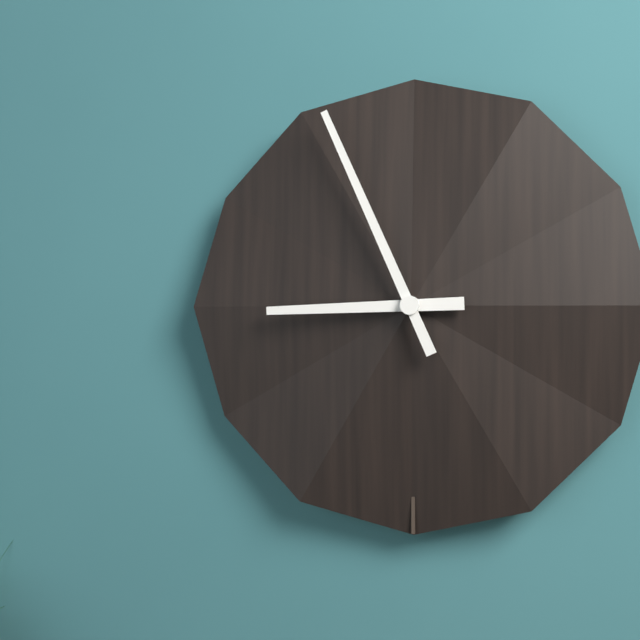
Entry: 8 h 56 min
